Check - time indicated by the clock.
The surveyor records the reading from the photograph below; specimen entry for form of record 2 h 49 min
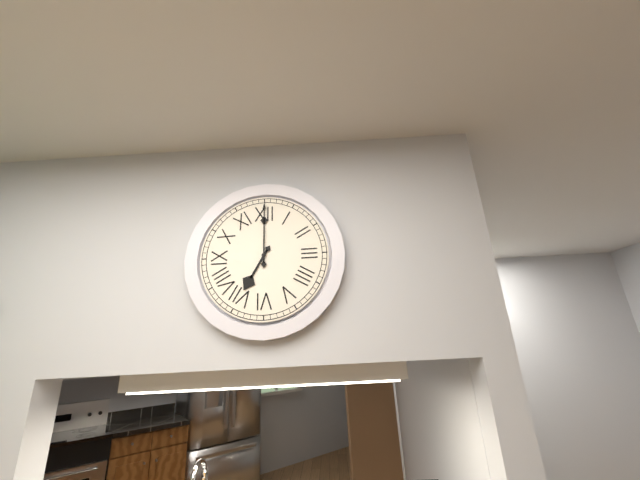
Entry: 7 h 00 min
